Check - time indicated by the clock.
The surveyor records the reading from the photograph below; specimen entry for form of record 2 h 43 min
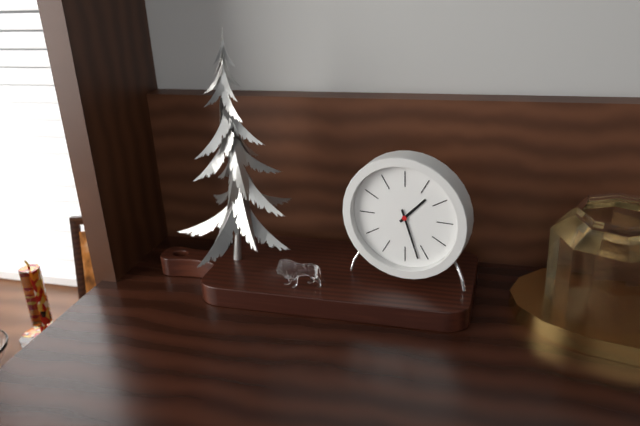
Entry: 1 h 27 min
